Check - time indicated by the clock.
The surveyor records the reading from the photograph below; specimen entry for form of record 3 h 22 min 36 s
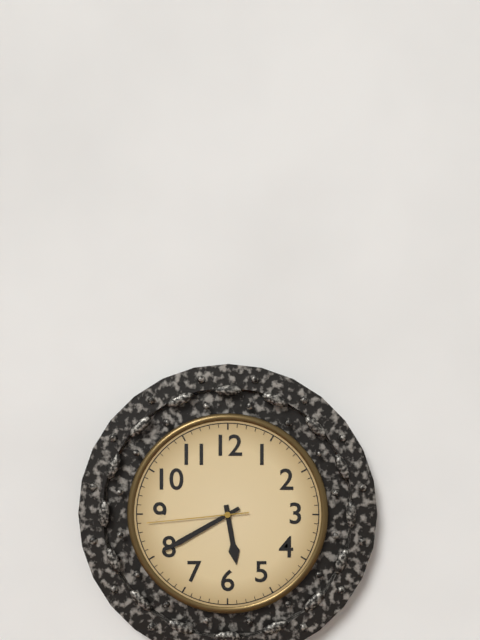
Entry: 5 h 40 min 44 s
